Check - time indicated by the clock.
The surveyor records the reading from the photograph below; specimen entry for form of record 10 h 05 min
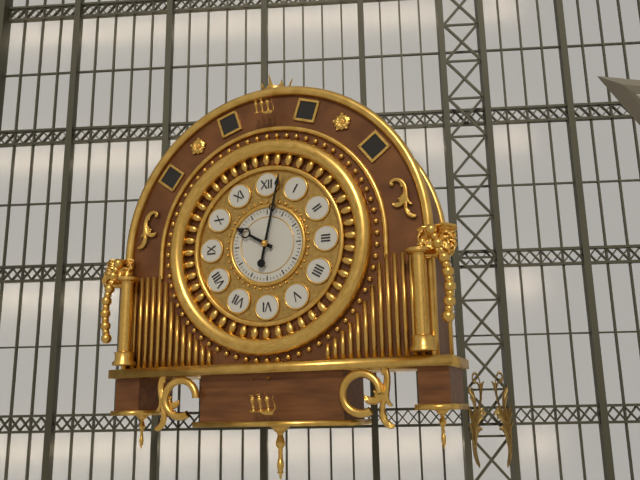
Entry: 10 h 02 min
